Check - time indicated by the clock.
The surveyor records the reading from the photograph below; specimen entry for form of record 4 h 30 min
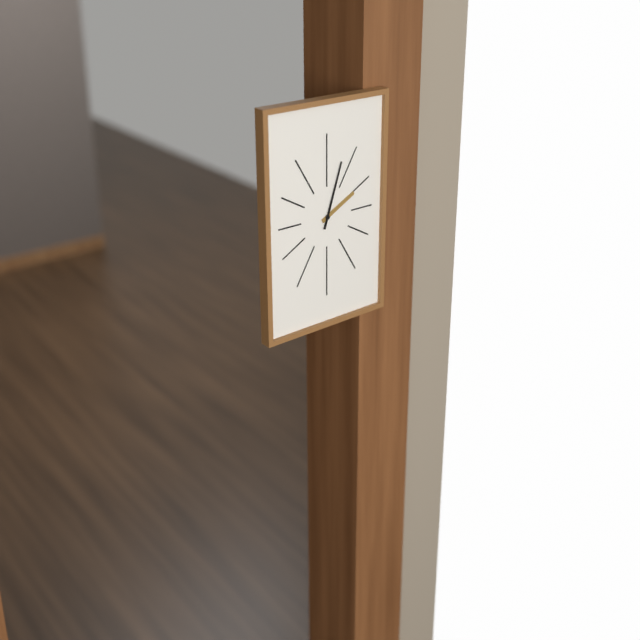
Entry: 2 h 03 min
